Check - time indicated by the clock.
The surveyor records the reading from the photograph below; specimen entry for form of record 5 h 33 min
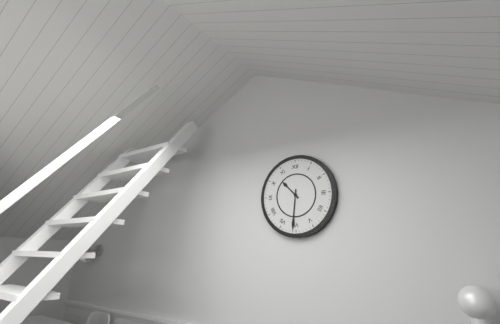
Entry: 10 h 31 min
